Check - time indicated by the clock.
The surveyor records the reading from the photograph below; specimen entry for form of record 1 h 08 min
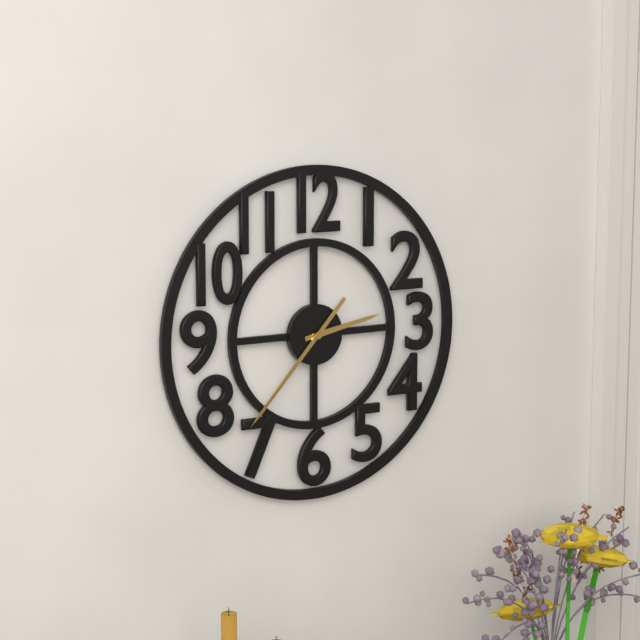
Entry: 2 h 37 min
